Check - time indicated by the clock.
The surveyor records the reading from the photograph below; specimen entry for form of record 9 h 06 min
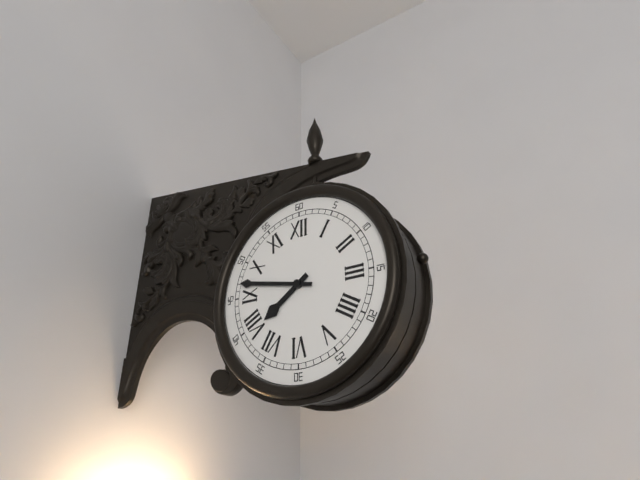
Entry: 7 h 47 min
